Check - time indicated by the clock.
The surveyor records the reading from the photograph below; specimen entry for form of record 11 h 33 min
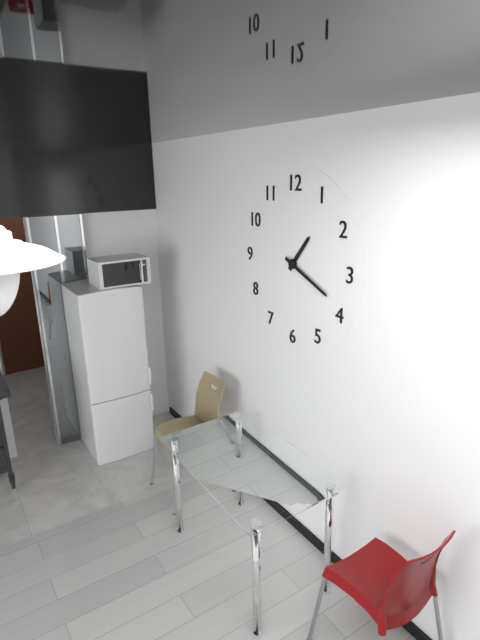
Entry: 1 h 19 min
